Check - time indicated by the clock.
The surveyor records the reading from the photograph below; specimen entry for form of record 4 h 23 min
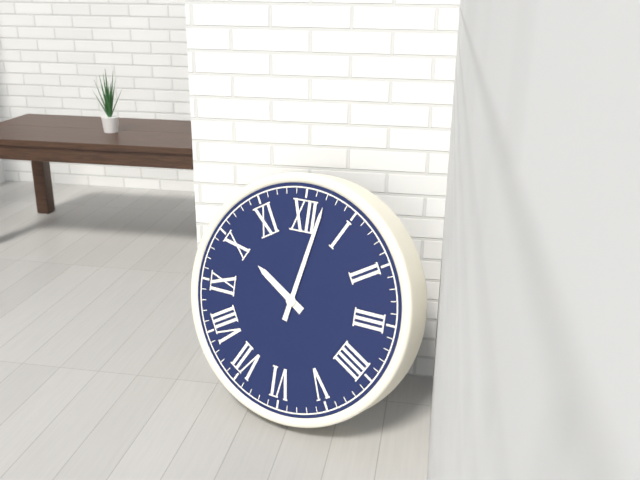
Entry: 10 h 02 min
